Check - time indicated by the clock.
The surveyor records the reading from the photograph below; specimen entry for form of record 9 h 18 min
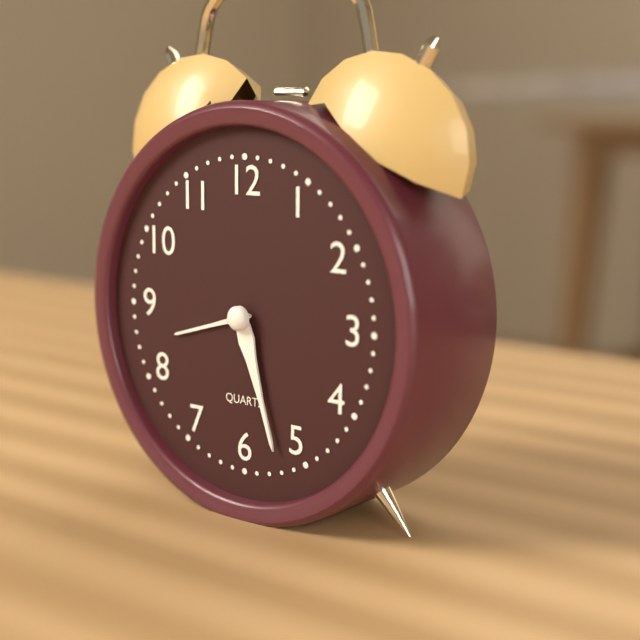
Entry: 8 h 27 min
